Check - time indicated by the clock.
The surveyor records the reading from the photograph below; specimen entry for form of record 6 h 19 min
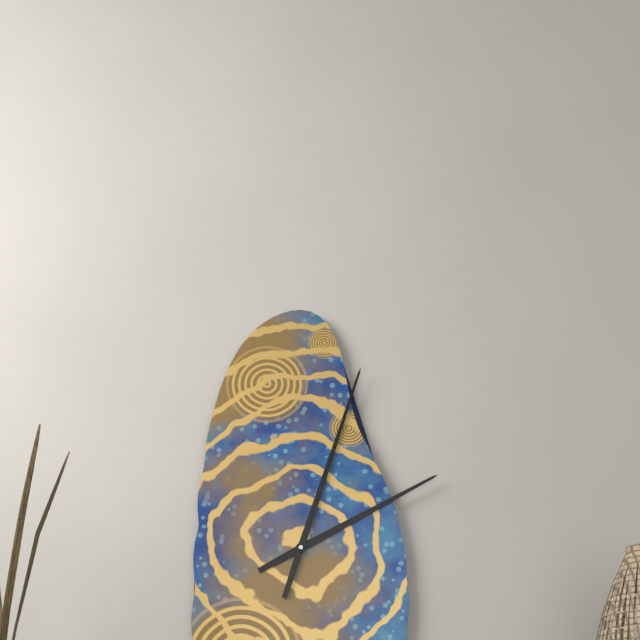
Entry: 2 h 03 min
